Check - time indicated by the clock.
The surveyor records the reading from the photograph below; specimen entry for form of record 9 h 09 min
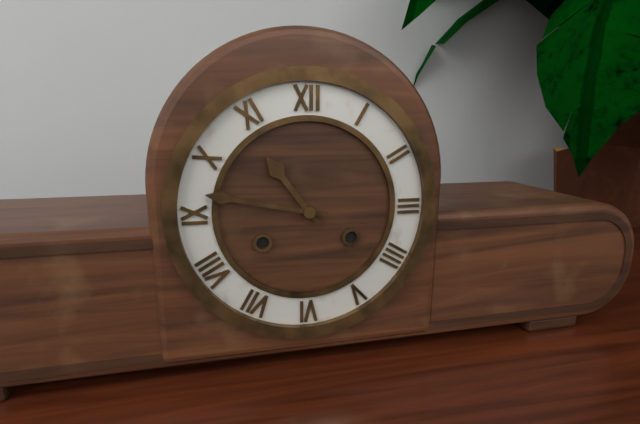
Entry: 10 h 47 min
